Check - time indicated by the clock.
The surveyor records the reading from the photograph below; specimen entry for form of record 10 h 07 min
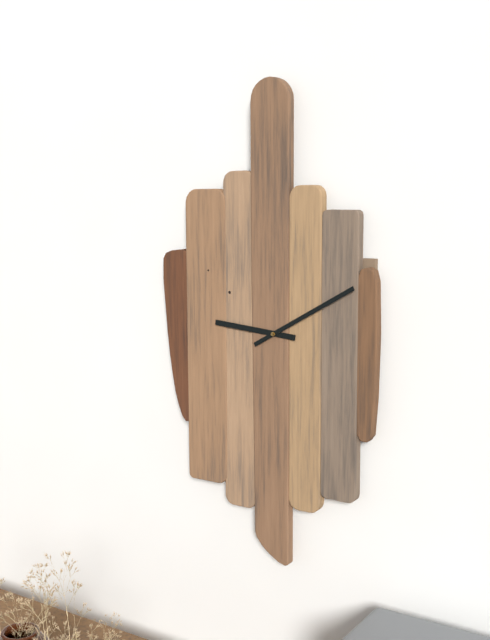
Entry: 9 h 10 min
